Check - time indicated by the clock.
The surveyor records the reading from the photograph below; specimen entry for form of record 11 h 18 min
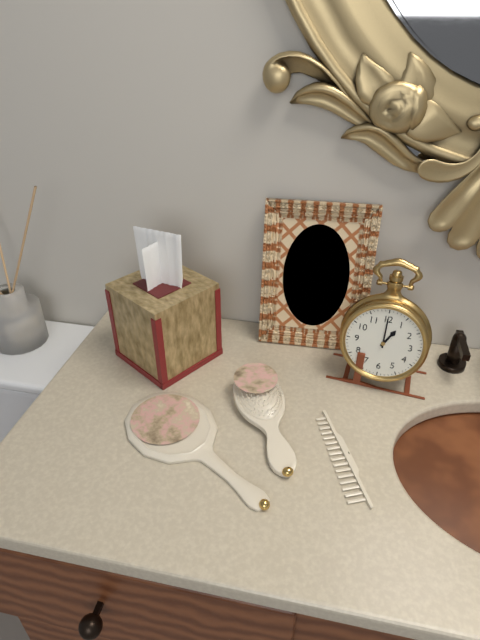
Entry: 1 h 00 min
